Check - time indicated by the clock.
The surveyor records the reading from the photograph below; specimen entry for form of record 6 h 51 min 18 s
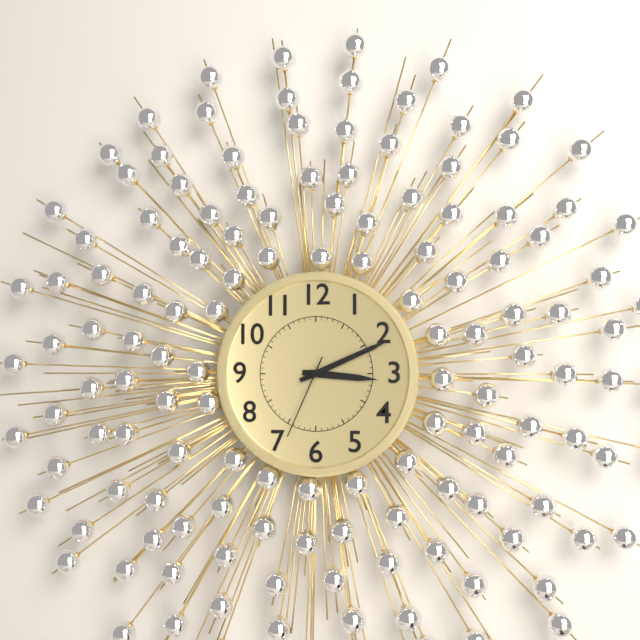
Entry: 3 h 11 min 34 s
